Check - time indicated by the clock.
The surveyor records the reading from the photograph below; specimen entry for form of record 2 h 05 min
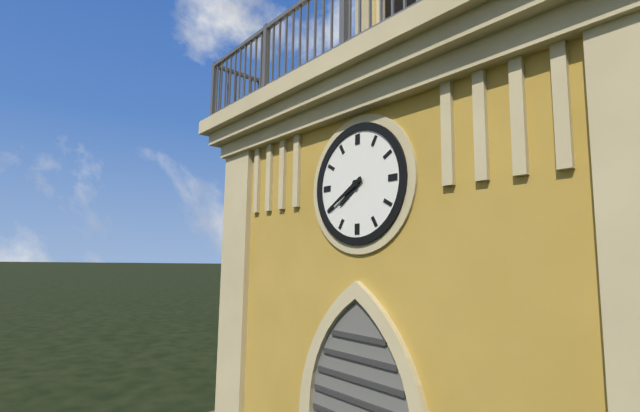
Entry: 7 h 40 min
